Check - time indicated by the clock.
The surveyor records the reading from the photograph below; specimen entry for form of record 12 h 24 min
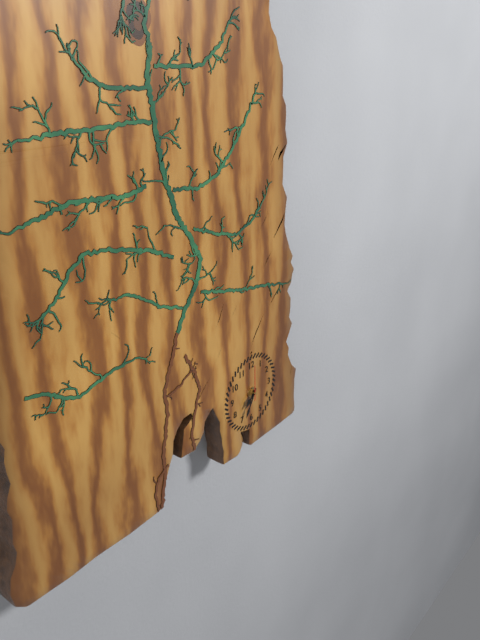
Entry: 7 h 35 min
